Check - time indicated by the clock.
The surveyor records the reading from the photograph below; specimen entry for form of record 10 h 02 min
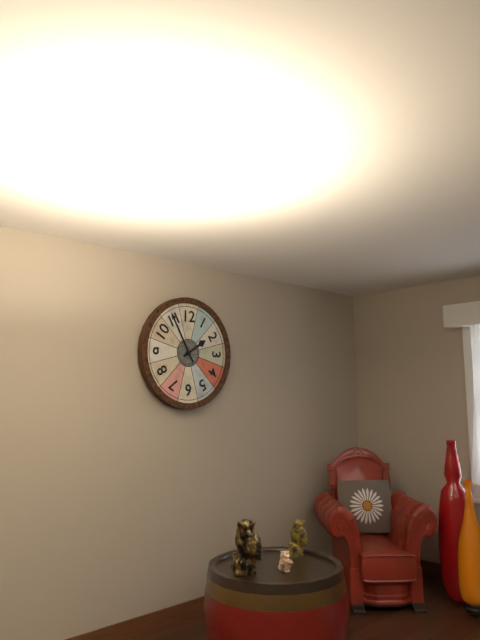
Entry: 1 h 55 min
